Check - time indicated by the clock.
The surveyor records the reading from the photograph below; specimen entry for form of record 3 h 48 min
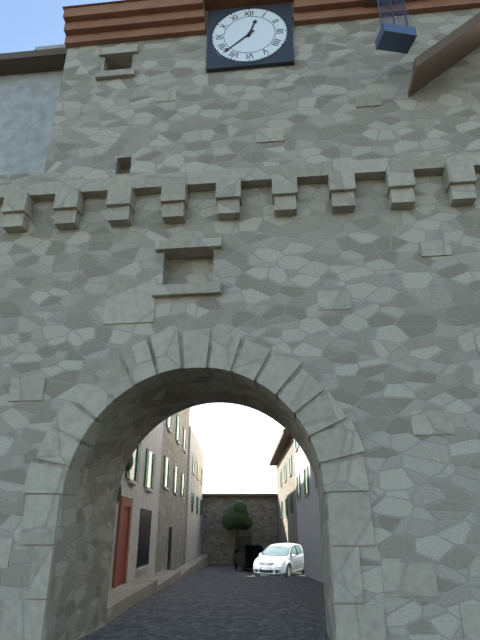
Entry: 12 h 38 min
